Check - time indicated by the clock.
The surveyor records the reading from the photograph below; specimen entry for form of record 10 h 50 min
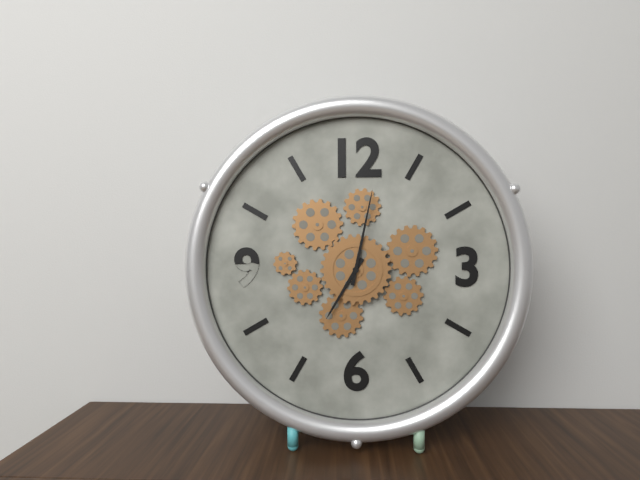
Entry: 7 h 02 min
